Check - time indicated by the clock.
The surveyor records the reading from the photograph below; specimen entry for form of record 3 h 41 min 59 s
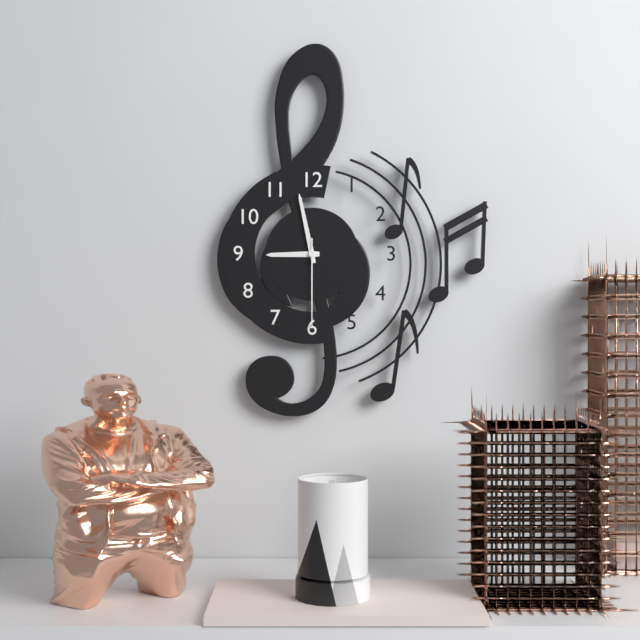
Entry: 8 h 58 min 30 s
